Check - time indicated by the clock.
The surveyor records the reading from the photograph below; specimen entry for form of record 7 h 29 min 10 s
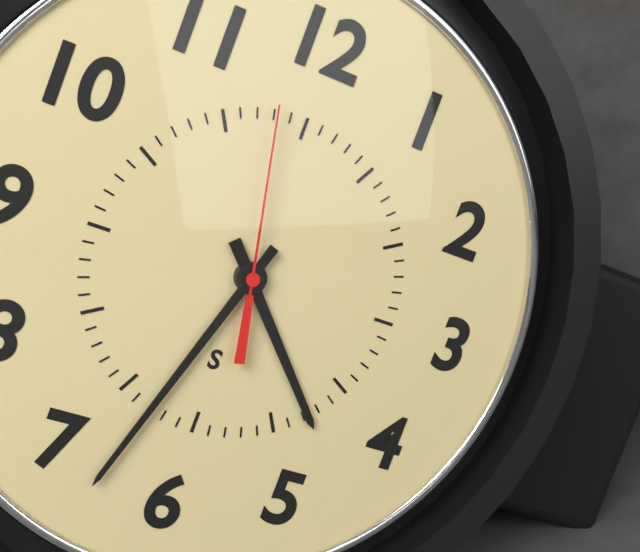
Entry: 4 h 33 min 58 s
